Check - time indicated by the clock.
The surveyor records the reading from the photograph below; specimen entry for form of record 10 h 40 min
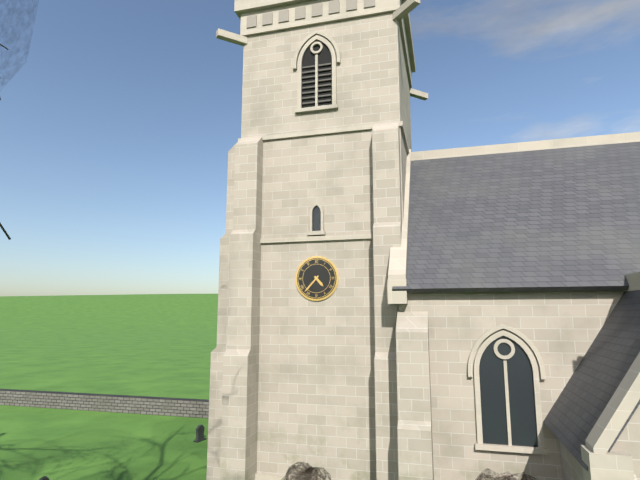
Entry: 4 h 37 min
